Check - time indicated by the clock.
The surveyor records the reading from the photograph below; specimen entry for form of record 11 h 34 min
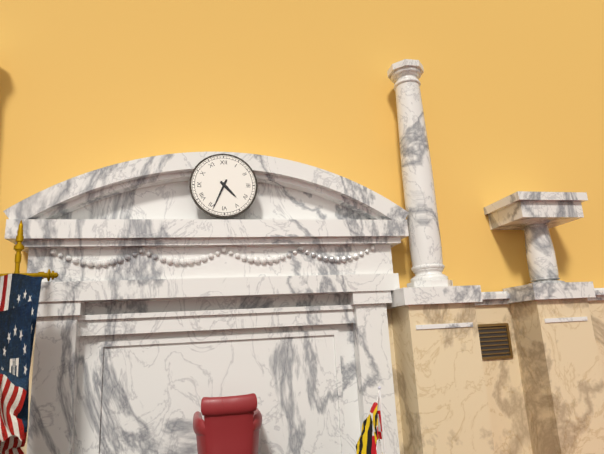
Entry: 4 h 34 min
